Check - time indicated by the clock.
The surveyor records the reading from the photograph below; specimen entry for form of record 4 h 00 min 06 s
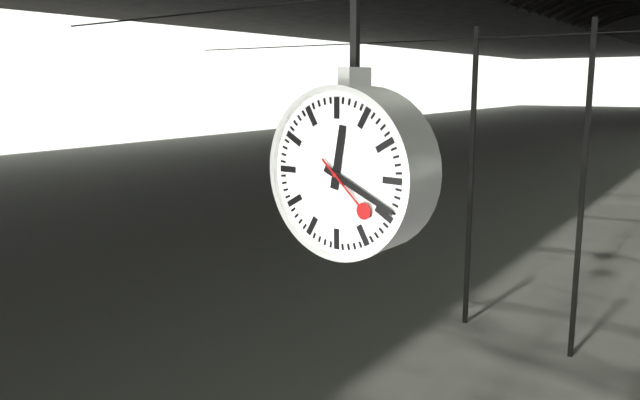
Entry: 12 h 19 min 22 s
